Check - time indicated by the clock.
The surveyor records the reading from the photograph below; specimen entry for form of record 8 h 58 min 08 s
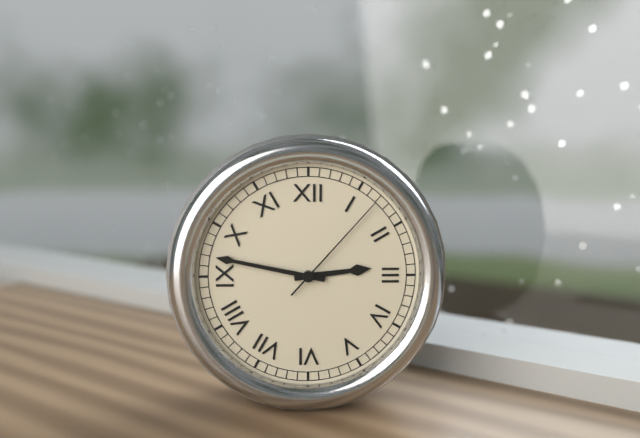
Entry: 2 h 47 min 07 s
